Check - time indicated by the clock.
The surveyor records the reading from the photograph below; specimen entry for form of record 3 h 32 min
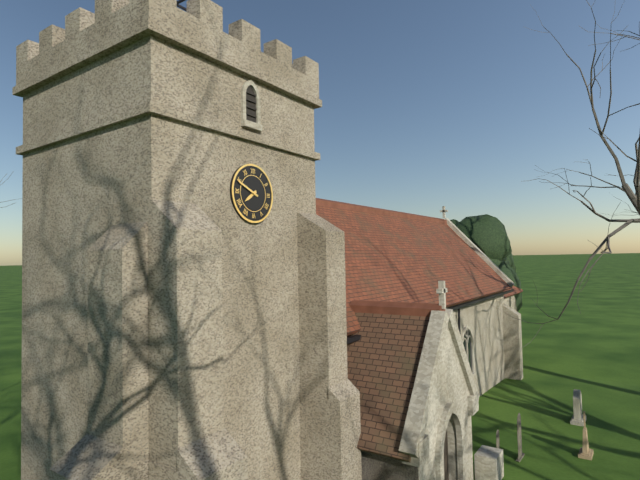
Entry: 7 h 49 min
